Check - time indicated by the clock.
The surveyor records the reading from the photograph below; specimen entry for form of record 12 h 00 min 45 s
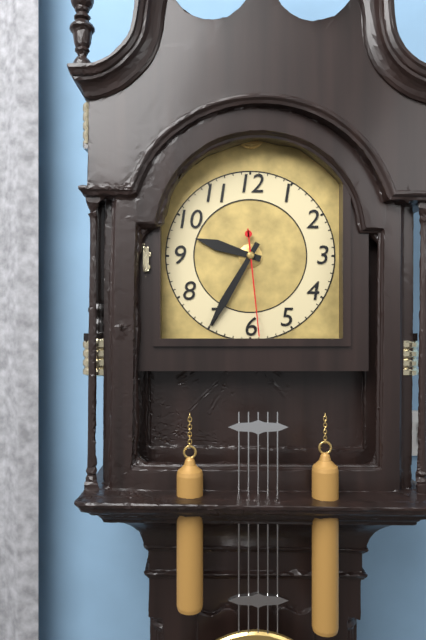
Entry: 9 h 35 min 29 s
